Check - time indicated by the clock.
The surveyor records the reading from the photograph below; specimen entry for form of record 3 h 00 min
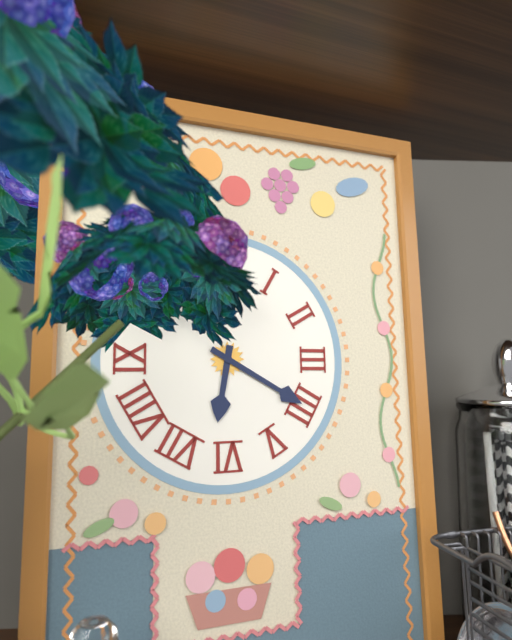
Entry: 6 h 20 min
